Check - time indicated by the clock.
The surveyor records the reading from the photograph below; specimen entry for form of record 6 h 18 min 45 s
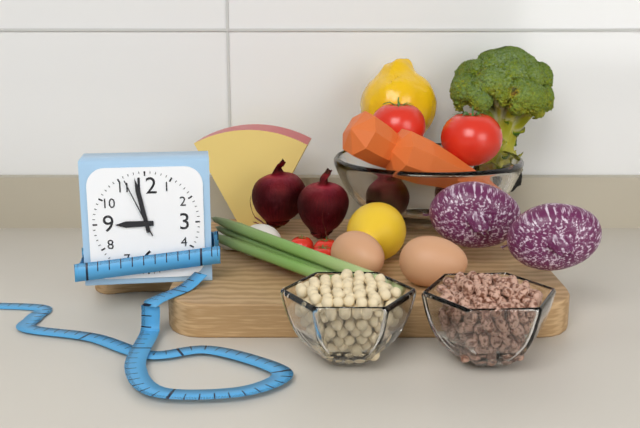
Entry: 8 h 58 min 56 s
